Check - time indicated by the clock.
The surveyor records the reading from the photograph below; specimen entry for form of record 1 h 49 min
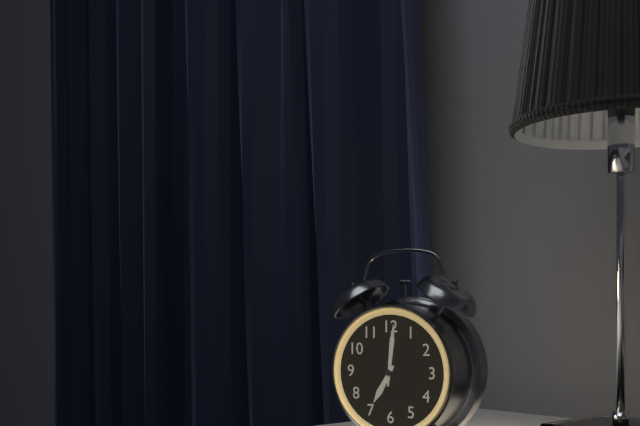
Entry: 7 h 01 min
